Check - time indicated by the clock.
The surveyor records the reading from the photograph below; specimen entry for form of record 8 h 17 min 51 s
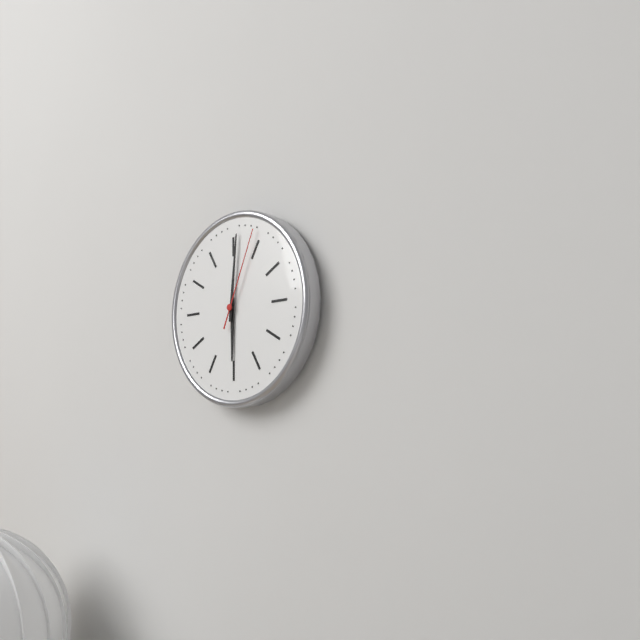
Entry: 6 h 01 min 04 s
